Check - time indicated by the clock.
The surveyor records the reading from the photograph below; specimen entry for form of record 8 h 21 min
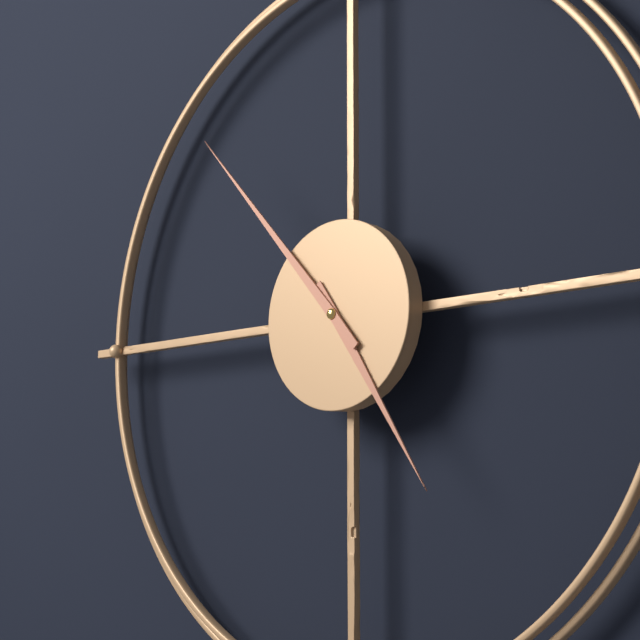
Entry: 4 h 53 min
